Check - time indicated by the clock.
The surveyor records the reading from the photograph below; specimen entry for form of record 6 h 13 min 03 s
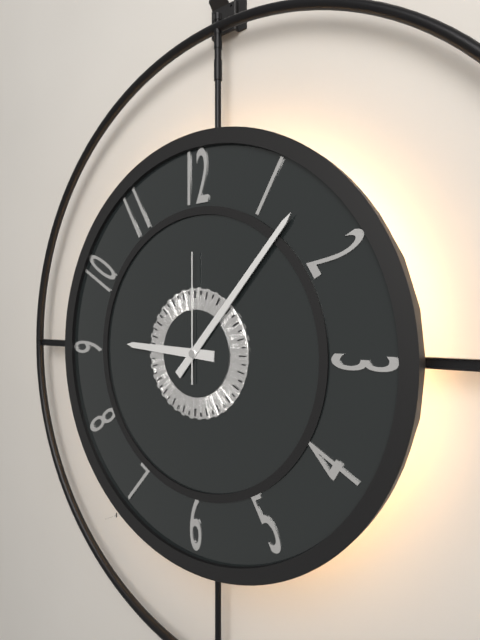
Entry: 9 h 07 min 00 s
